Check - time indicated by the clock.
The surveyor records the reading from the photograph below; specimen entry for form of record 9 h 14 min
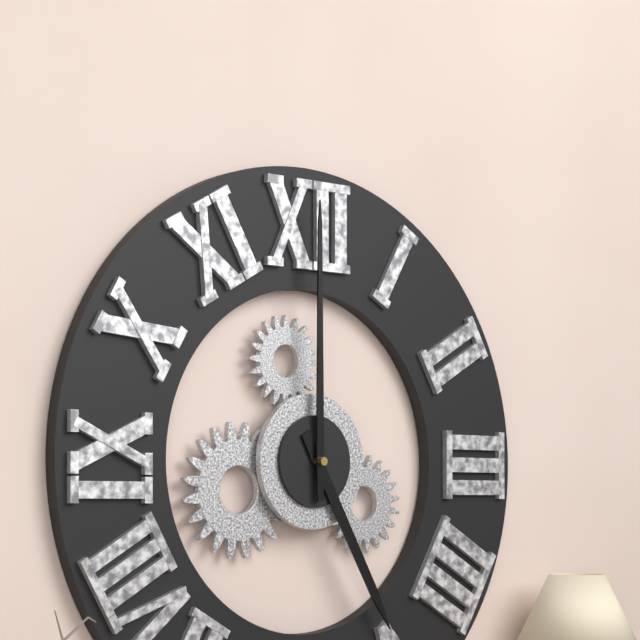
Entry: 5 h 00 min
